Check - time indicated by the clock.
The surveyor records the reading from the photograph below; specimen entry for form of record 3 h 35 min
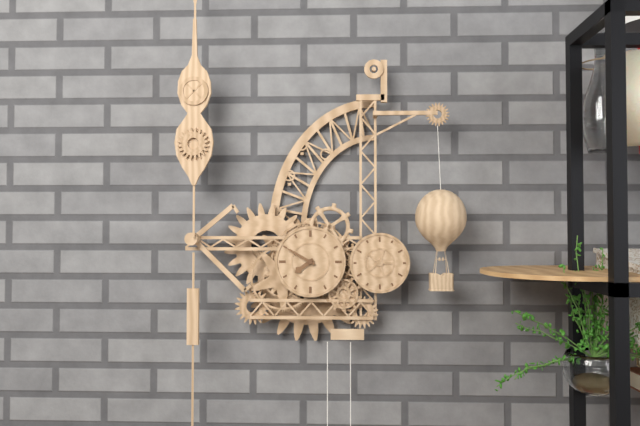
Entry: 7 h 50 min
